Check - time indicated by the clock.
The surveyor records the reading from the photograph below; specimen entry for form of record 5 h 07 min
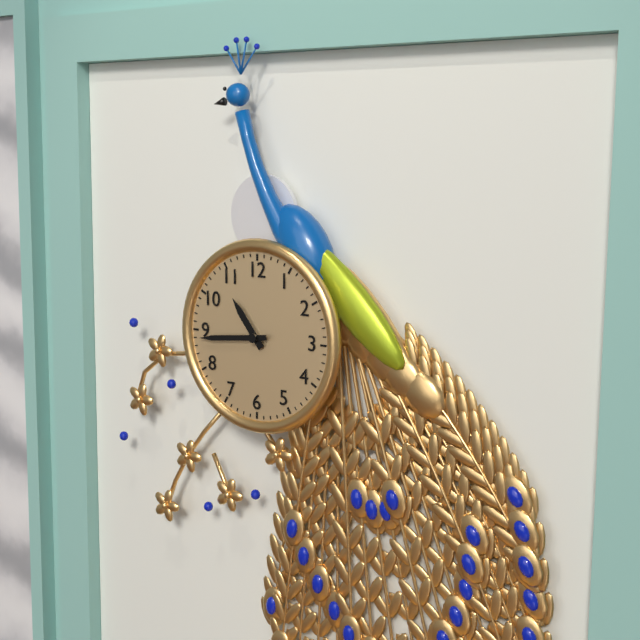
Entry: 10 h 44 min
